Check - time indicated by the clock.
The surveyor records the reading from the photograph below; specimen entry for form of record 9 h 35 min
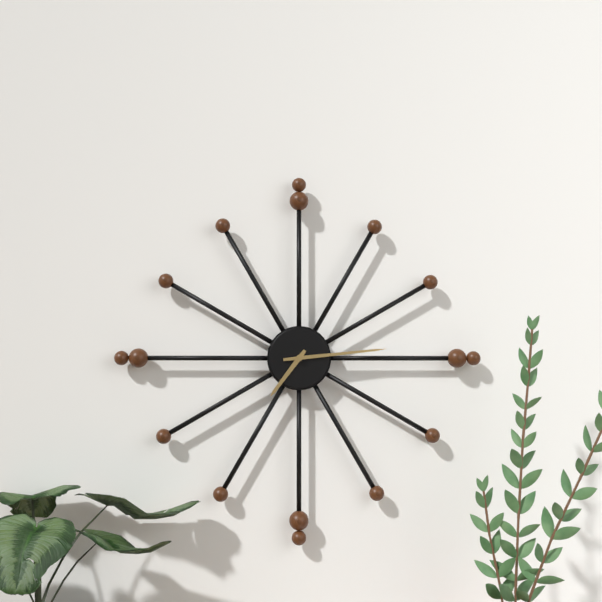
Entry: 7 h 14 min
